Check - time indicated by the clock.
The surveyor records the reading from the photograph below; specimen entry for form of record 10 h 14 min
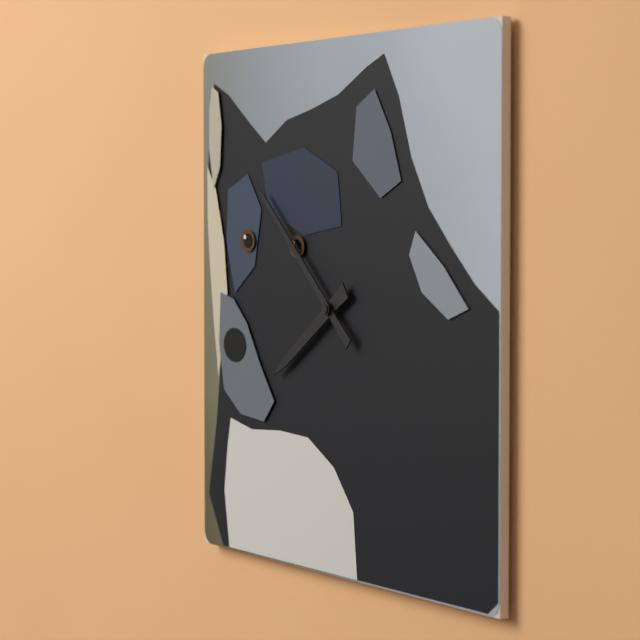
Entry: 7 h 52 min
